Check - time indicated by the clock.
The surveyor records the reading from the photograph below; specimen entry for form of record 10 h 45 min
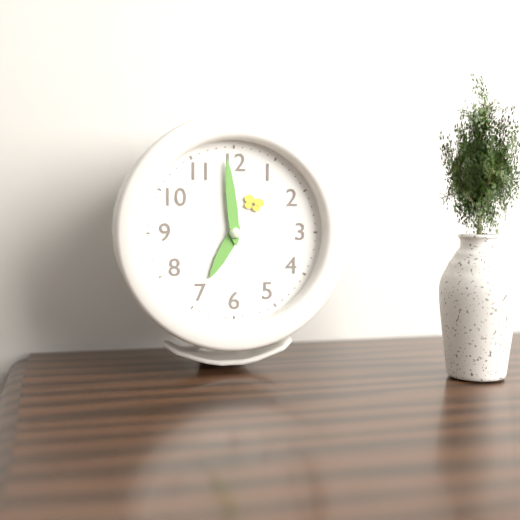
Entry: 6 h 59 min
